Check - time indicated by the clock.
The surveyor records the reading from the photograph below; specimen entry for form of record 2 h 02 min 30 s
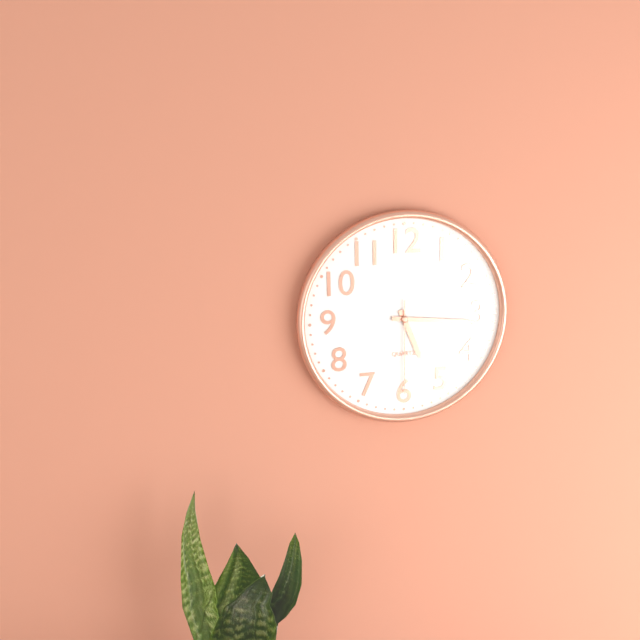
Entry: 5 h 16 min 30 s
